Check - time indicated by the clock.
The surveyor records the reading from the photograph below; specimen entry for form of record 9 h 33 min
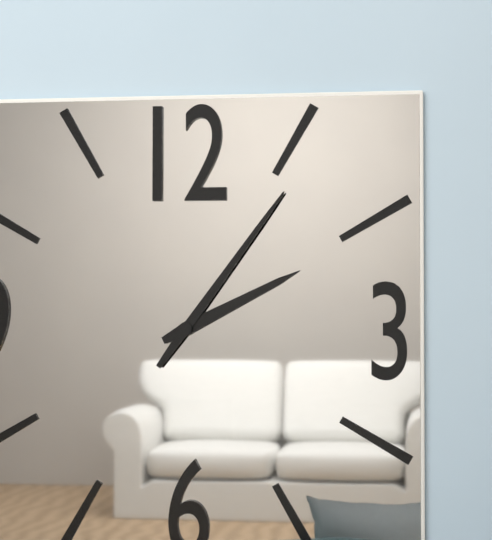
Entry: 2 h 06 min
